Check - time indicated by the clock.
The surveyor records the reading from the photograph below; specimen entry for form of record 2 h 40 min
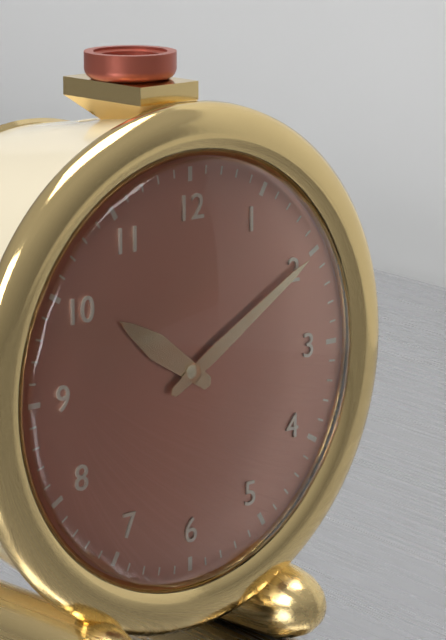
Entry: 10 h 10 min
